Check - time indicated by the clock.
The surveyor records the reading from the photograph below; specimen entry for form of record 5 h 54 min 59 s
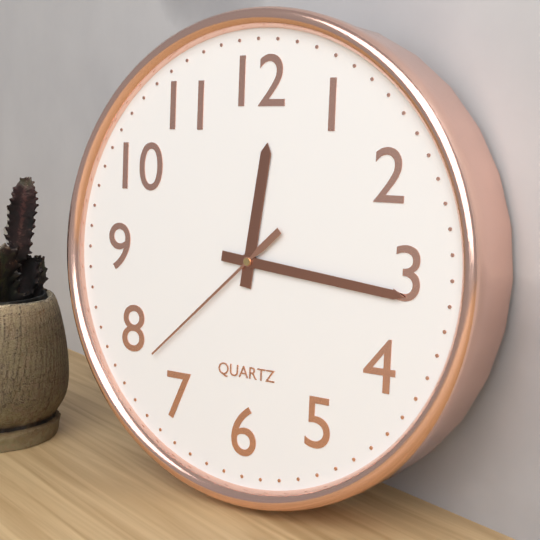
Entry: 12 h 16 min 38 s
